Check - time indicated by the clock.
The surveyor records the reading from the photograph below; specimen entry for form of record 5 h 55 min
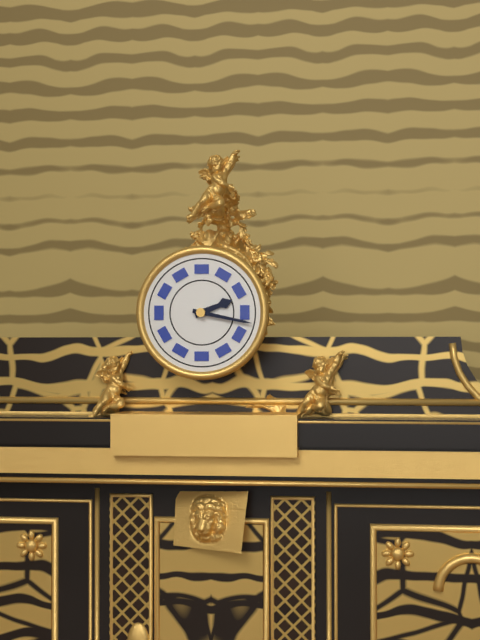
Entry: 2 h 17 min
